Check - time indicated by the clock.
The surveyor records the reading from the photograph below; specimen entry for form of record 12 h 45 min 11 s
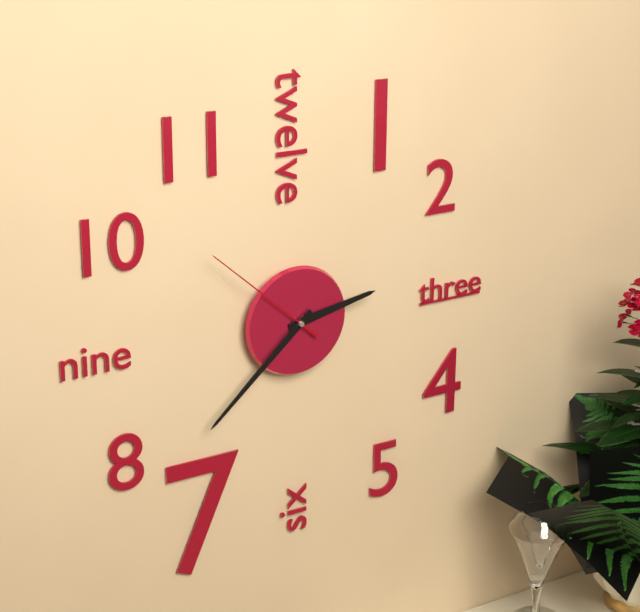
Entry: 2 h 38 min 52 s
